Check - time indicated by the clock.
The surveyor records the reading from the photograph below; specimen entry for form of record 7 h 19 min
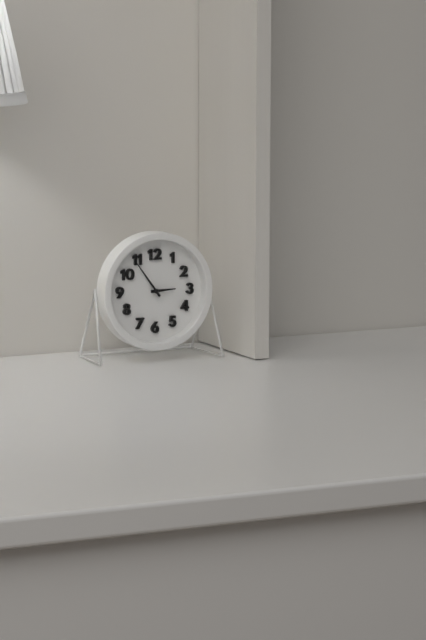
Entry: 2 h 54 min
